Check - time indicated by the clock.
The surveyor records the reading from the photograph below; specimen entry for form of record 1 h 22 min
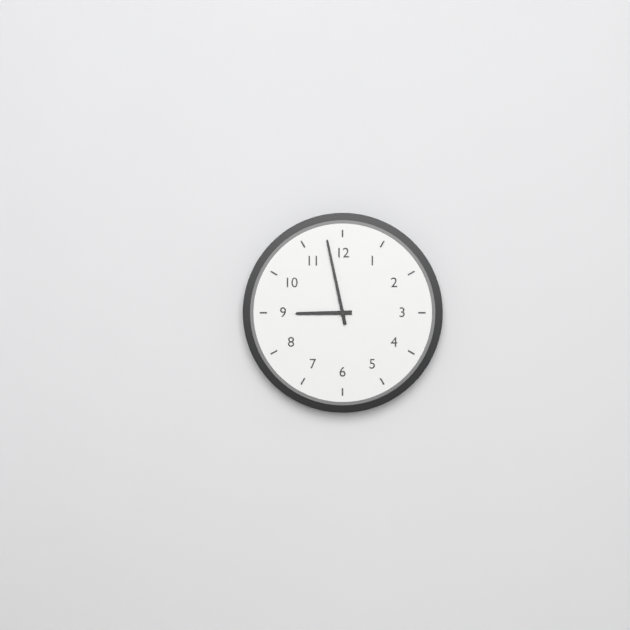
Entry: 8 h 58 min
